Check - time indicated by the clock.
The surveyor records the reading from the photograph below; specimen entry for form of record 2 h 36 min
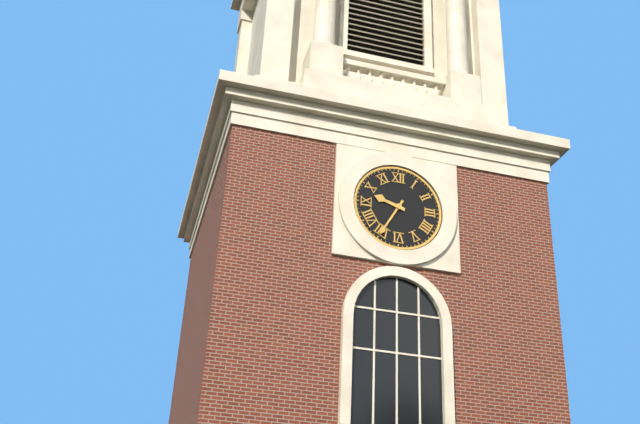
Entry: 9 h 35 min
